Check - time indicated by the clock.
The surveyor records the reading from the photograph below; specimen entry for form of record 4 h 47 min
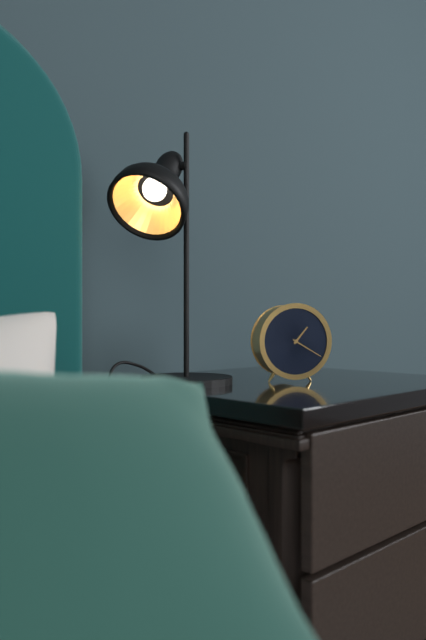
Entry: 1 h 20 min
